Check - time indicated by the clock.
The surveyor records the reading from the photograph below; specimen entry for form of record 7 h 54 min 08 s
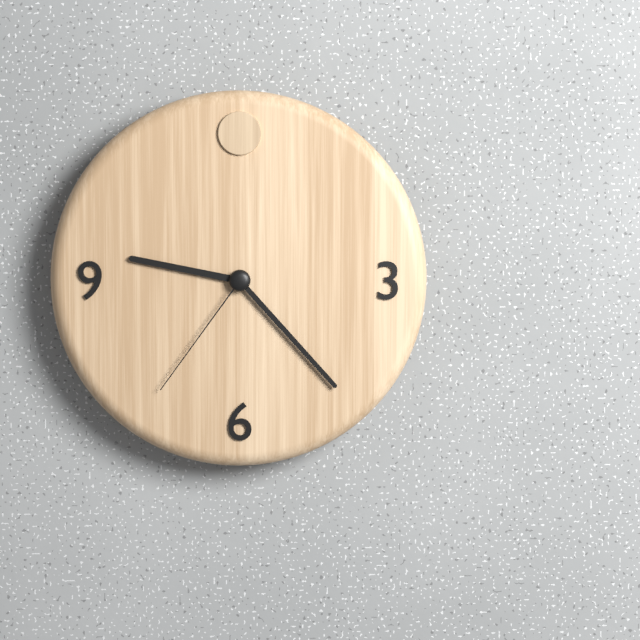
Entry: 9 h 23 min 36 s
